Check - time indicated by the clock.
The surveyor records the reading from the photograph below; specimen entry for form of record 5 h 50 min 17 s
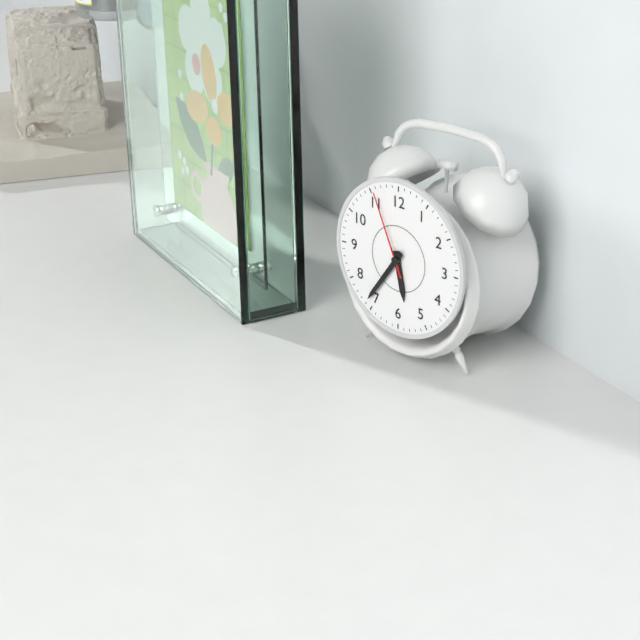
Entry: 5 h 36 min 56 s
